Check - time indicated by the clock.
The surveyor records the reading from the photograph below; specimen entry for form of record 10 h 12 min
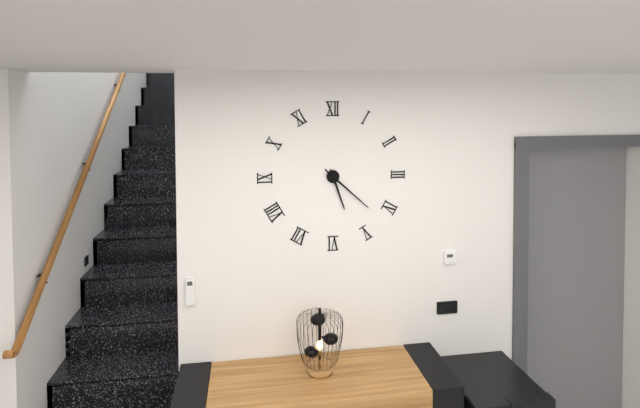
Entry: 5 h 22 min
